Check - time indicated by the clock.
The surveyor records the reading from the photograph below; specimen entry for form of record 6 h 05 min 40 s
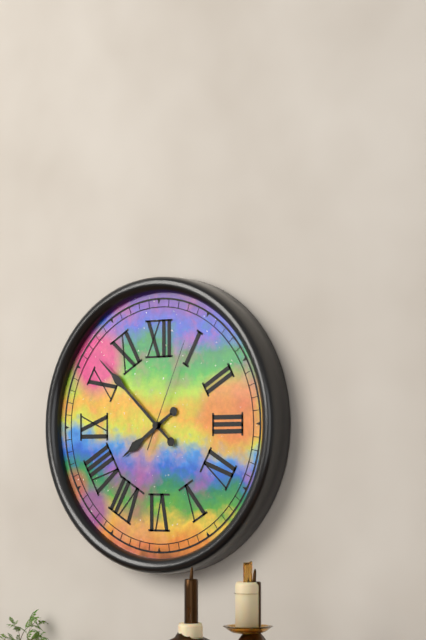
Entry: 7 h 52 min 04 s
